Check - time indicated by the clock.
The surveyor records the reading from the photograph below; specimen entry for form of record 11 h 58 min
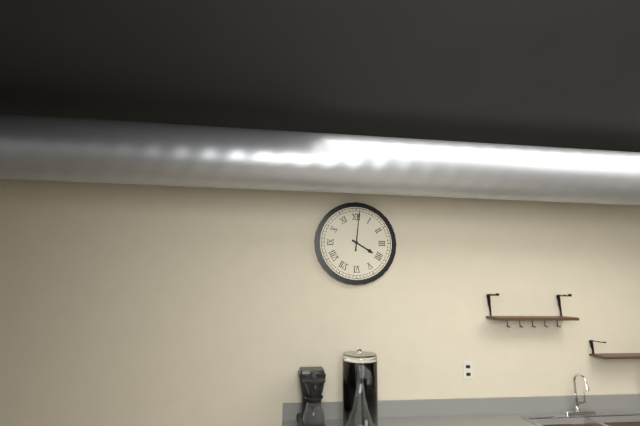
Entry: 4 h 01 min
